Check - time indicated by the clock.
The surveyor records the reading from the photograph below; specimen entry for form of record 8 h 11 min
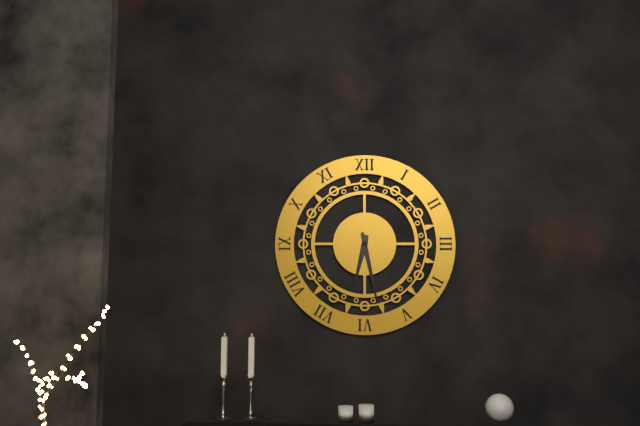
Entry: 6 h 28 min
